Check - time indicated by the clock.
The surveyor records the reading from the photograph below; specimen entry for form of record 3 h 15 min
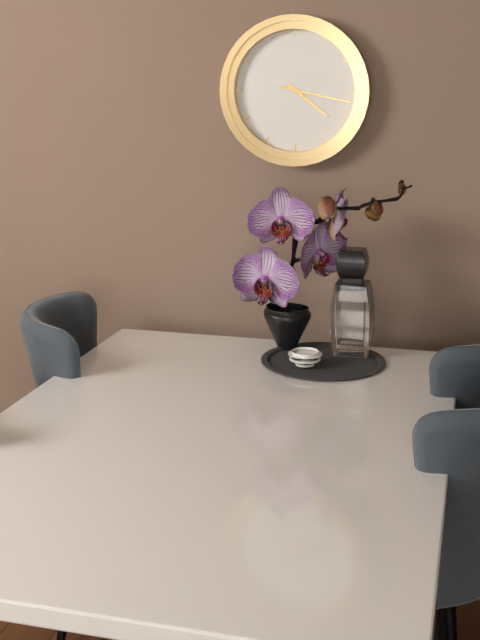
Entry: 4 h 17 min
